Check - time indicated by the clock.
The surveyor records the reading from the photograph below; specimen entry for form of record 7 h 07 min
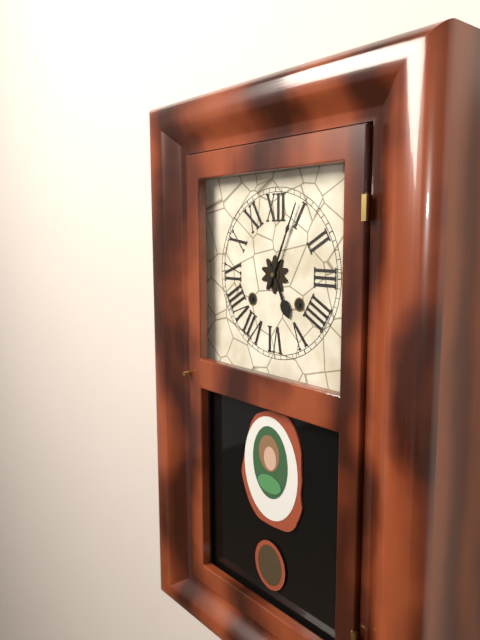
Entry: 5 h 04 min
